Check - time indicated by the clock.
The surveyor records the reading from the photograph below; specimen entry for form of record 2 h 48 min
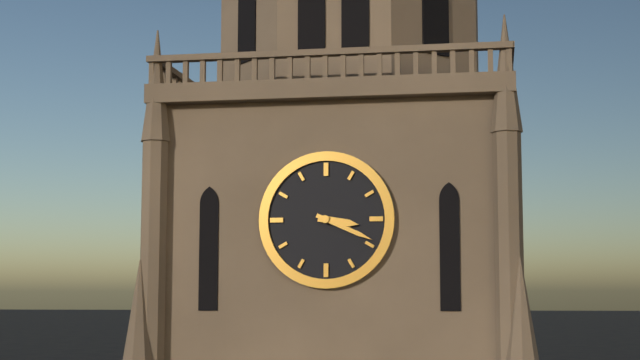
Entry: 3 h 19 min
